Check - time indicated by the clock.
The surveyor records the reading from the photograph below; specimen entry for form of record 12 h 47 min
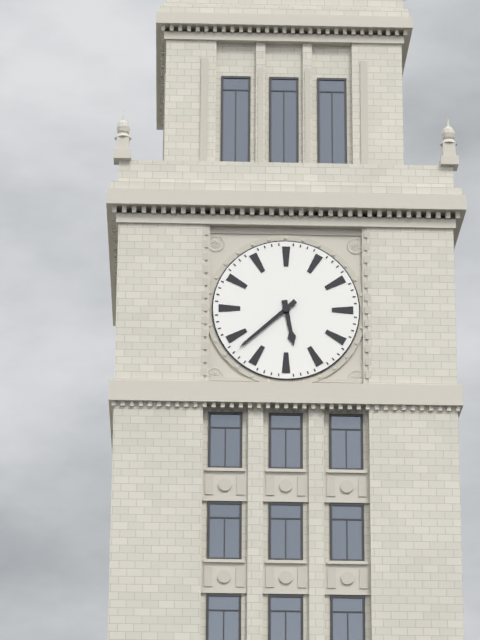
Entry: 5 h 38 min
